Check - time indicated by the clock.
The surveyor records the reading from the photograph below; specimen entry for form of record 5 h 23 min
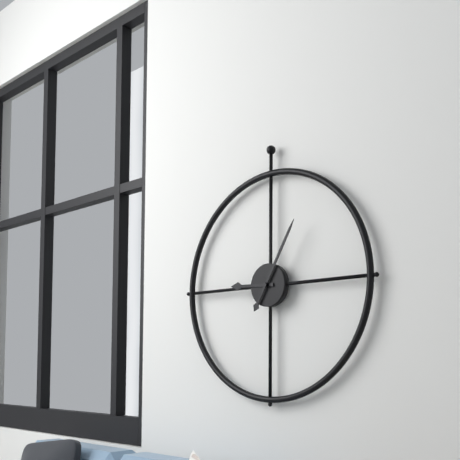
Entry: 9 h 05 min
